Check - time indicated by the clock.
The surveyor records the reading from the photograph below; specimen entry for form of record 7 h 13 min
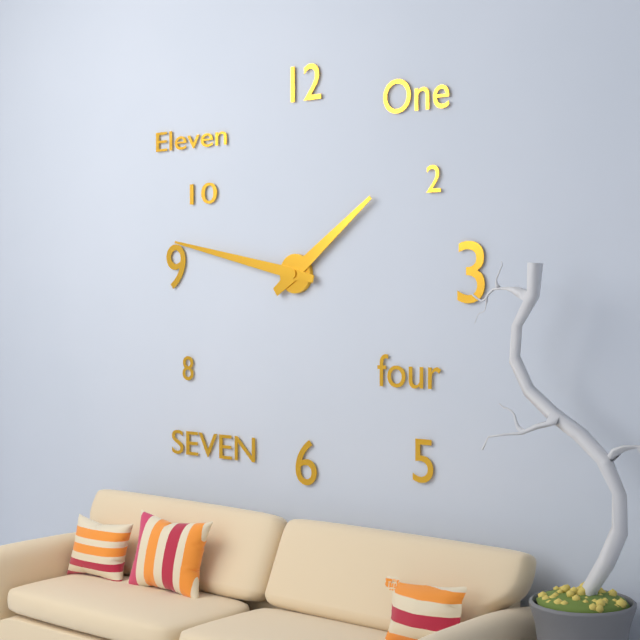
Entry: 1 h 47 min
